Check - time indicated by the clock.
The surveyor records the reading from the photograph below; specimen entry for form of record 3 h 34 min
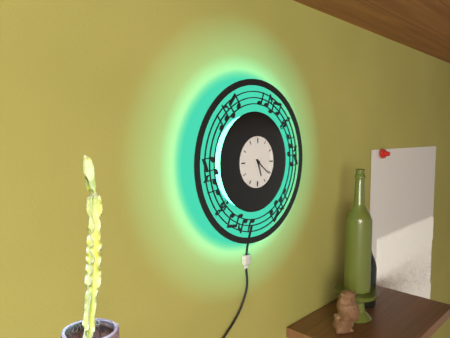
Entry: 5 h 21 min
